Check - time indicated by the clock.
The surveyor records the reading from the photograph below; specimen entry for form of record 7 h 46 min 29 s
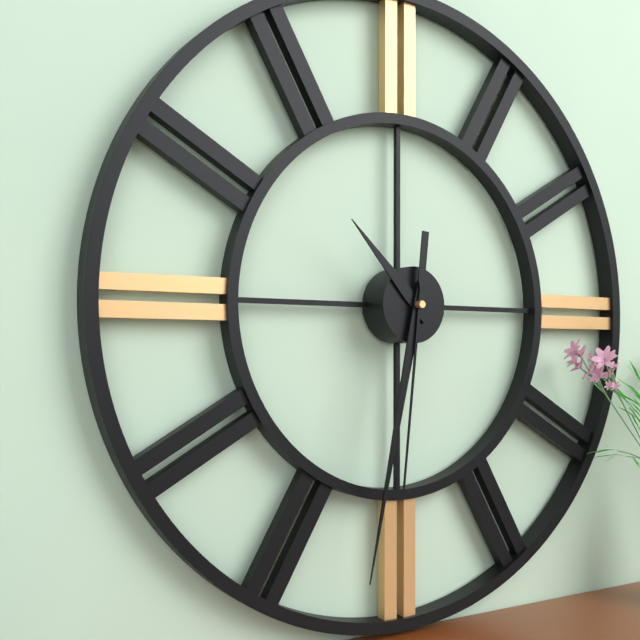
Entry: 10 h 32 min 31 s
